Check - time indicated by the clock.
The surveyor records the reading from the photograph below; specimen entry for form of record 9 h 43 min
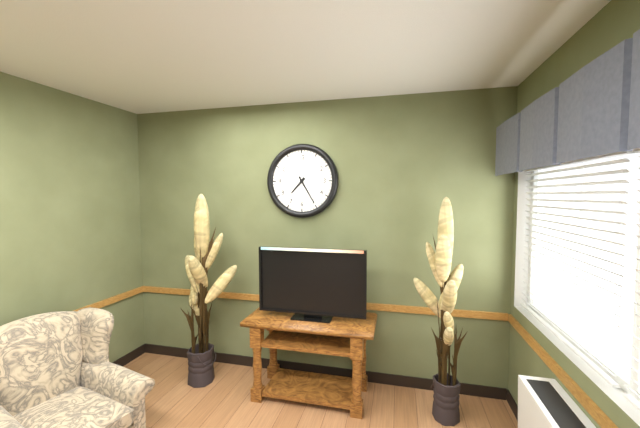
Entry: 7 h 25 min
